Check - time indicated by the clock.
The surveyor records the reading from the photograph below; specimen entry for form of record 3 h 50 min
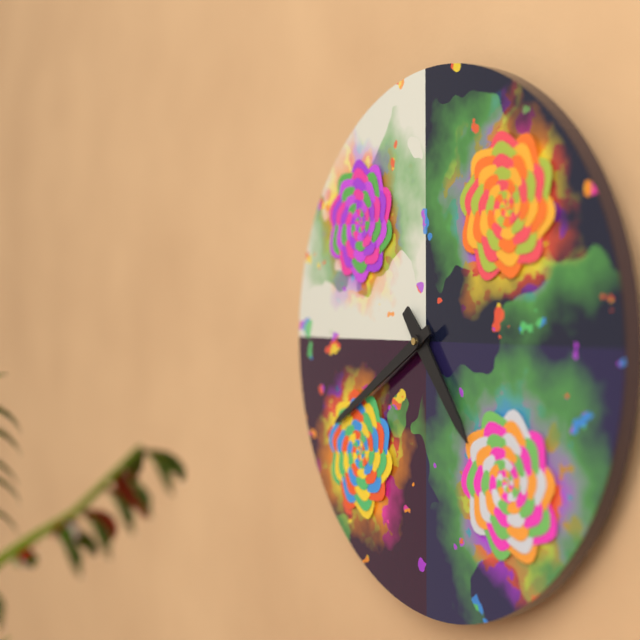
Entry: 4 h 40 min
